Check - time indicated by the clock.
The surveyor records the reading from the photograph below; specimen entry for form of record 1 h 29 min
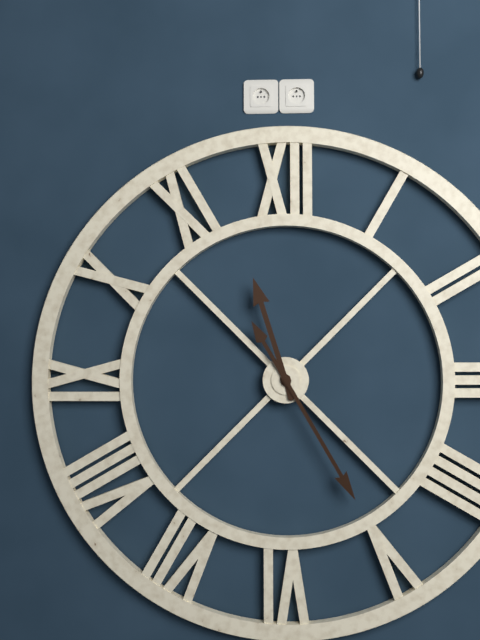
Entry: 11 h 25 min
